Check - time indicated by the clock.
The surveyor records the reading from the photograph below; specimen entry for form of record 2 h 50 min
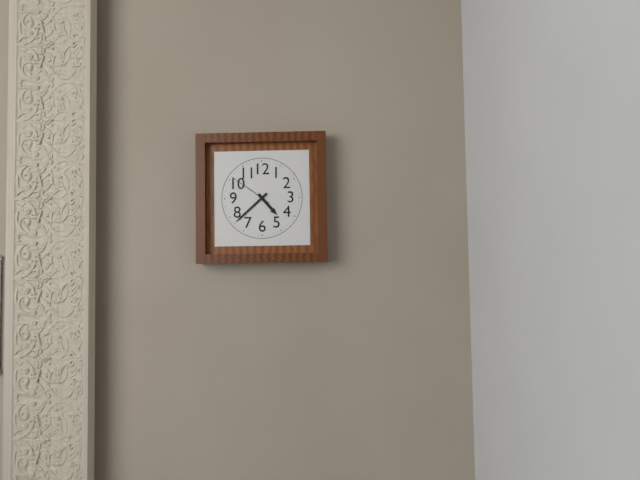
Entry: 4 h 38 min
